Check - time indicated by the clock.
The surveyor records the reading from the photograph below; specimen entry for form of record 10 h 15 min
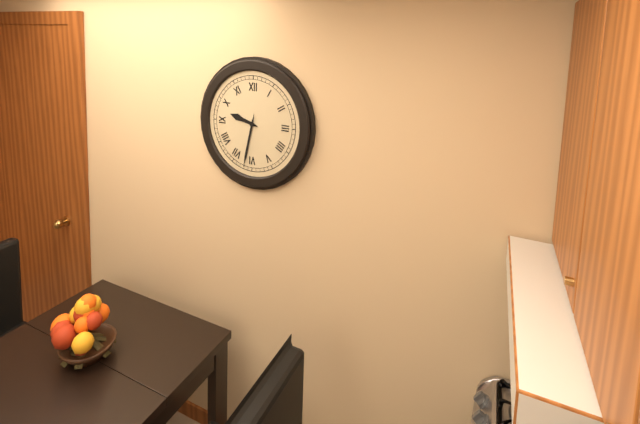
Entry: 9 h 32 min
